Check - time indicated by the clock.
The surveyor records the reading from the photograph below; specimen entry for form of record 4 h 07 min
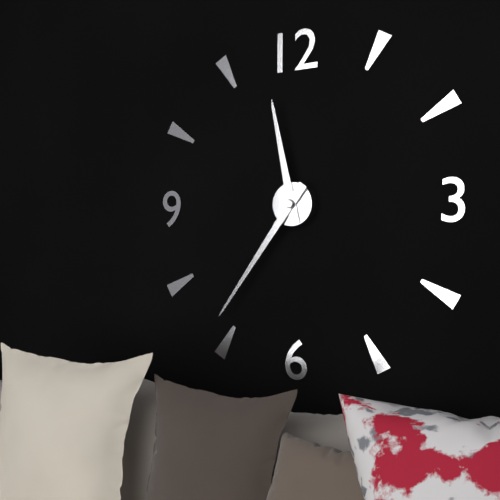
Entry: 11 h 36 min
